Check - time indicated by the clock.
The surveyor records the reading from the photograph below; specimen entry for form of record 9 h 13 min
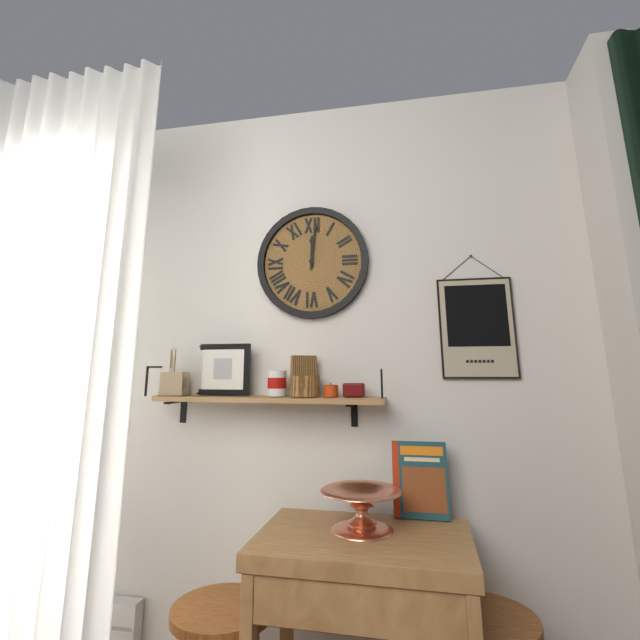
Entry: 12 h 01 min
